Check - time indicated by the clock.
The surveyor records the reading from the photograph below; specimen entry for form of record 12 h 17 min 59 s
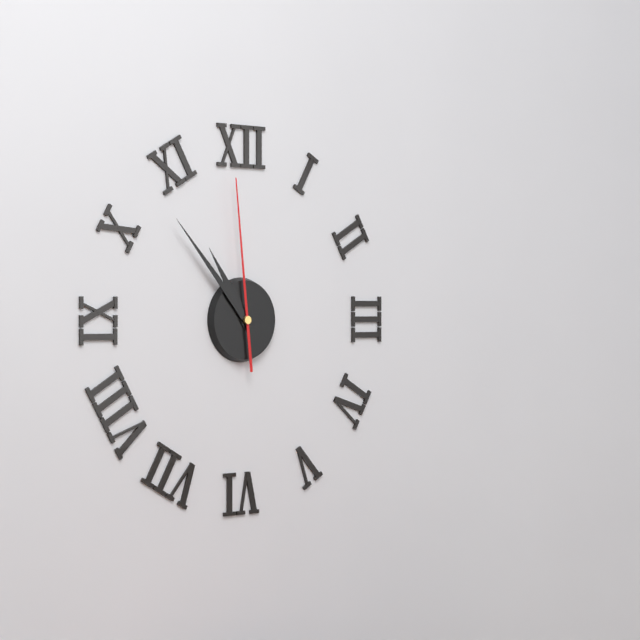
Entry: 10 h 53 min 59 s
